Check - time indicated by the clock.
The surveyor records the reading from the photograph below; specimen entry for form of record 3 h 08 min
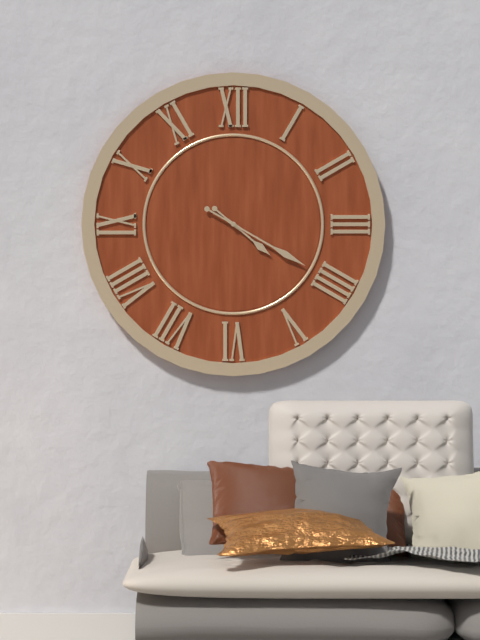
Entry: 4 h 20 min
